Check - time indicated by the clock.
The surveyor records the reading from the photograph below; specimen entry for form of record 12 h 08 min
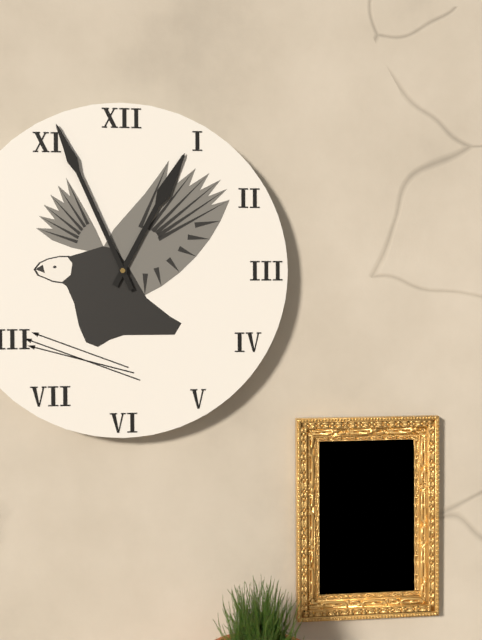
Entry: 12 h 56 min
